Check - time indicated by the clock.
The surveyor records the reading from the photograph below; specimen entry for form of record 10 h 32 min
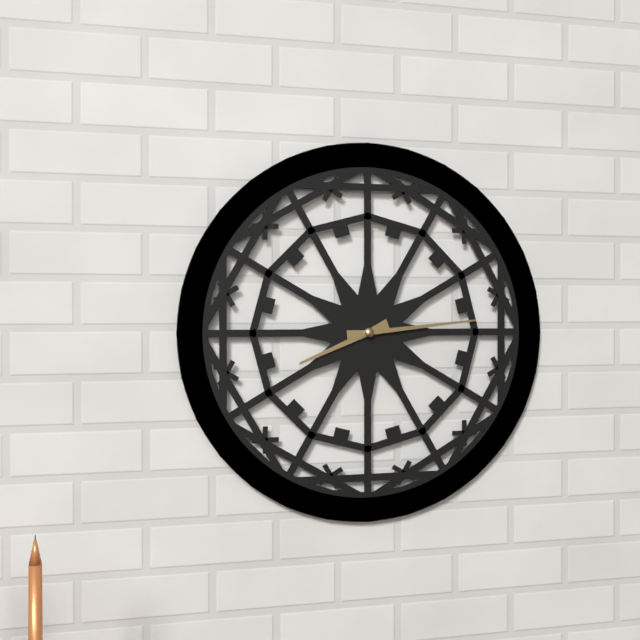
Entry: 8 h 14 min
